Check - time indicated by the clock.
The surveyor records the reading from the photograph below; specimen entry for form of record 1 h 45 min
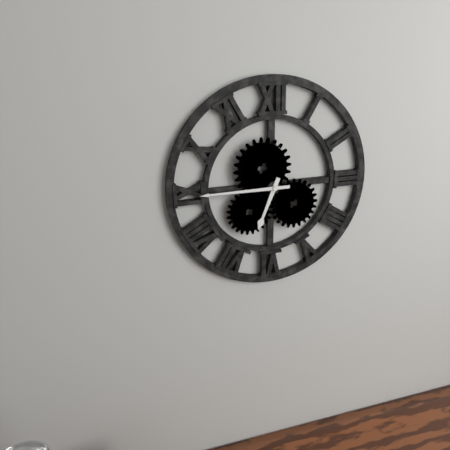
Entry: 6 h 45 min
